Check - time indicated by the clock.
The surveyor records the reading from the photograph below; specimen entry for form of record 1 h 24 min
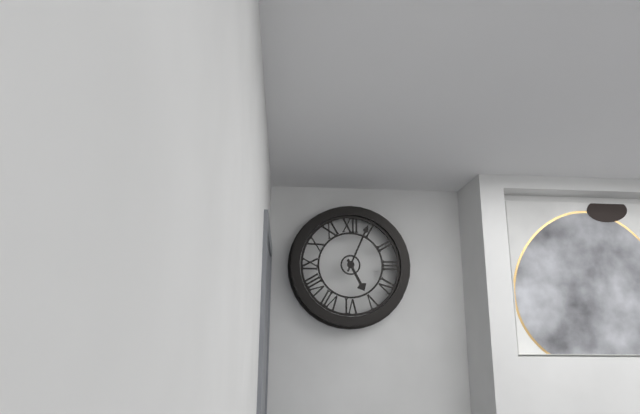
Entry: 5 h 04 min
